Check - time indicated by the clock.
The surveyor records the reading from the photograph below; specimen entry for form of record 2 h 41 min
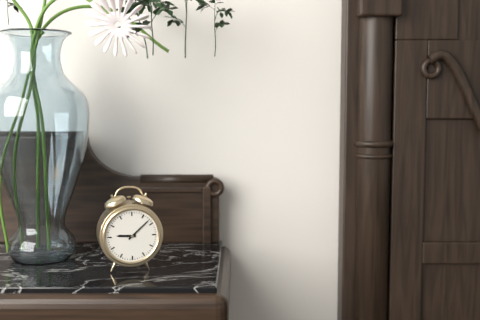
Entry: 9 h 08 min
